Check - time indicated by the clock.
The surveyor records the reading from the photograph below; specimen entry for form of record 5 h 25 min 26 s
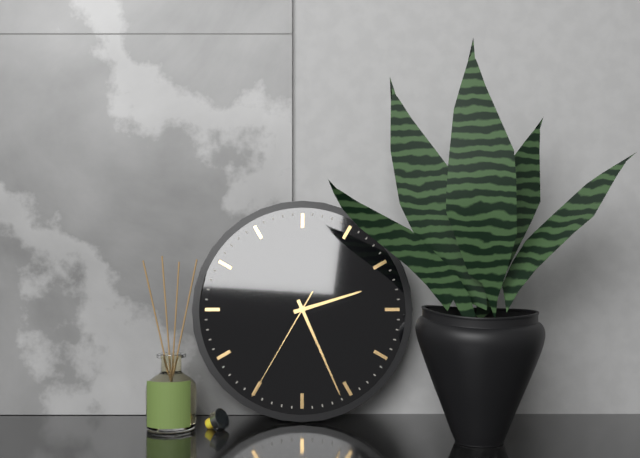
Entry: 2 h 26 min 35 s
